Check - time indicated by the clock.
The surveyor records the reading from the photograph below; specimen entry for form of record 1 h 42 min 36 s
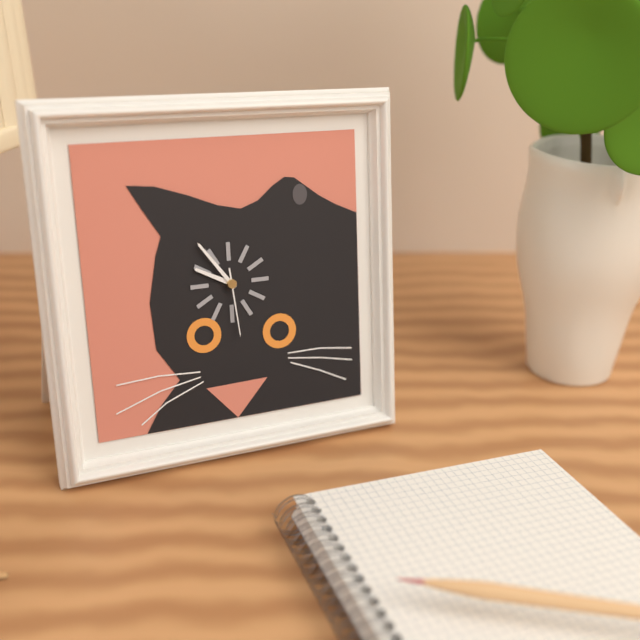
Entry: 9 h 54 min 29 s
